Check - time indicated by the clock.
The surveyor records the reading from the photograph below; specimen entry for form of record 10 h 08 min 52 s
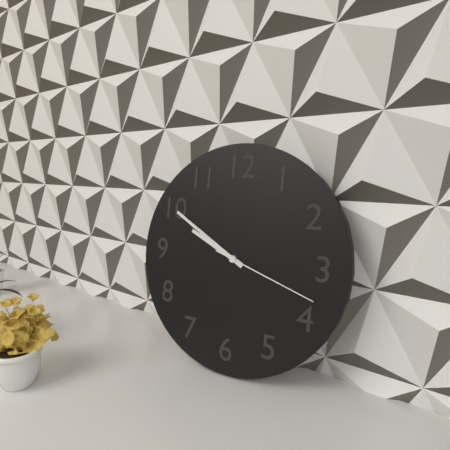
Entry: 9 h 50 min 18 s
